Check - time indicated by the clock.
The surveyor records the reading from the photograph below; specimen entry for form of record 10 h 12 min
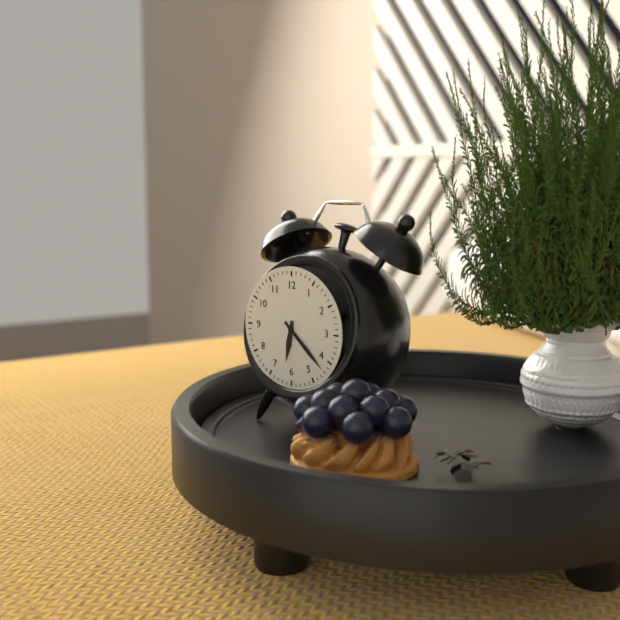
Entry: 6 h 22 min
